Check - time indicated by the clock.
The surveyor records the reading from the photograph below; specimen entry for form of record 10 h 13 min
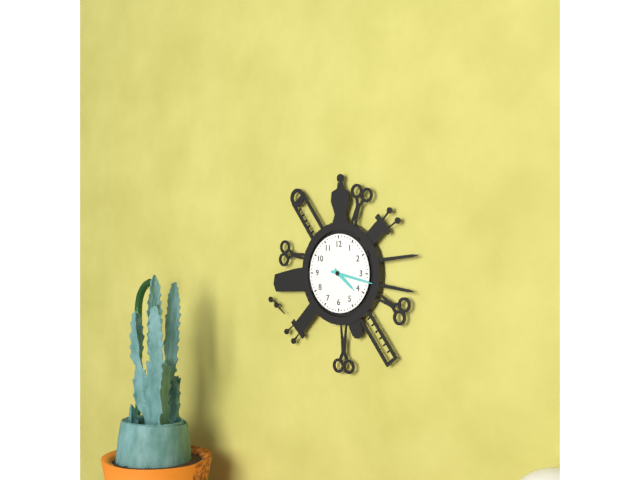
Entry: 4 h 17 min
